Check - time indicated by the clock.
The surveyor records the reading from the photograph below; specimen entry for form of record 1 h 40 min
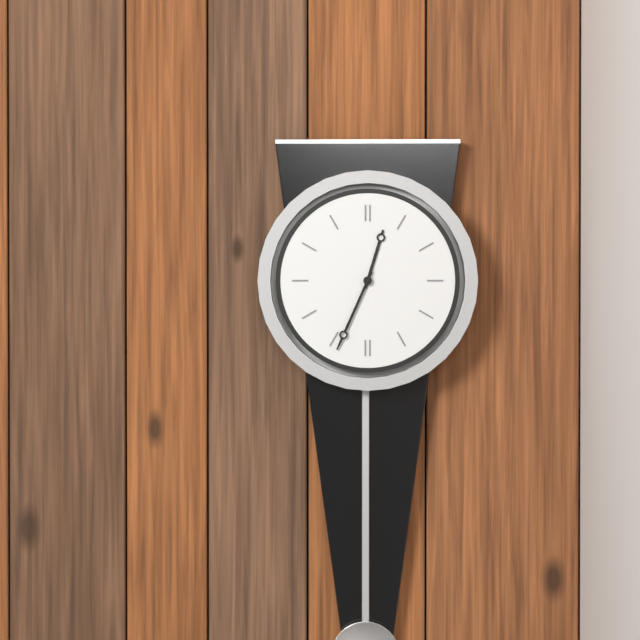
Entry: 12 h 34 min
